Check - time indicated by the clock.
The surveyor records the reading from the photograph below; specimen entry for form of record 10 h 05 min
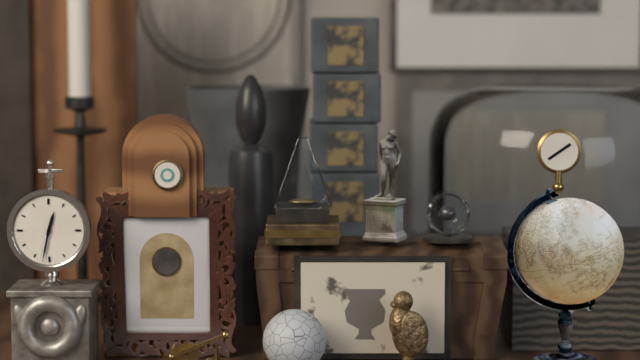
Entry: 12 h 32 min
